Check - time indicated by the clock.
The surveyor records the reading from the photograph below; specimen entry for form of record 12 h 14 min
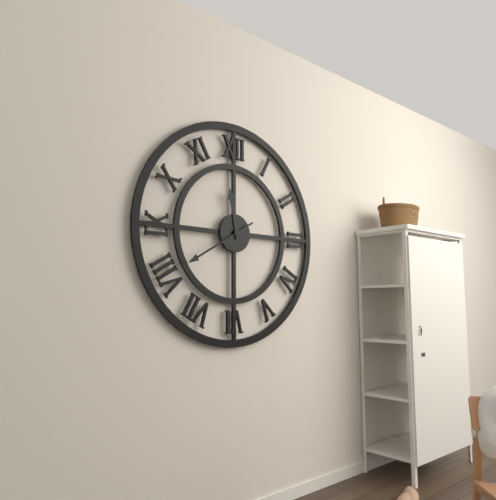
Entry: 11 h 40 min
